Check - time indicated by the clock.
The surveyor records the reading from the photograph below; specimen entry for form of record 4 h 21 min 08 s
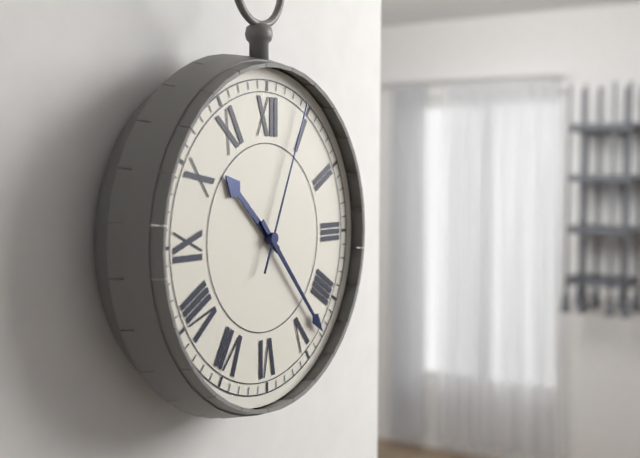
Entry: 10 h 23 min 04 s
